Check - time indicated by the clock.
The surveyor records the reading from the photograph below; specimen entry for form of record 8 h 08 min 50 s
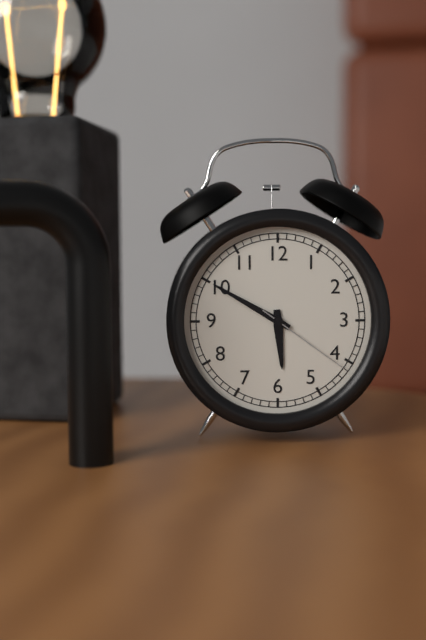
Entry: 5 h 50 min 21 s
